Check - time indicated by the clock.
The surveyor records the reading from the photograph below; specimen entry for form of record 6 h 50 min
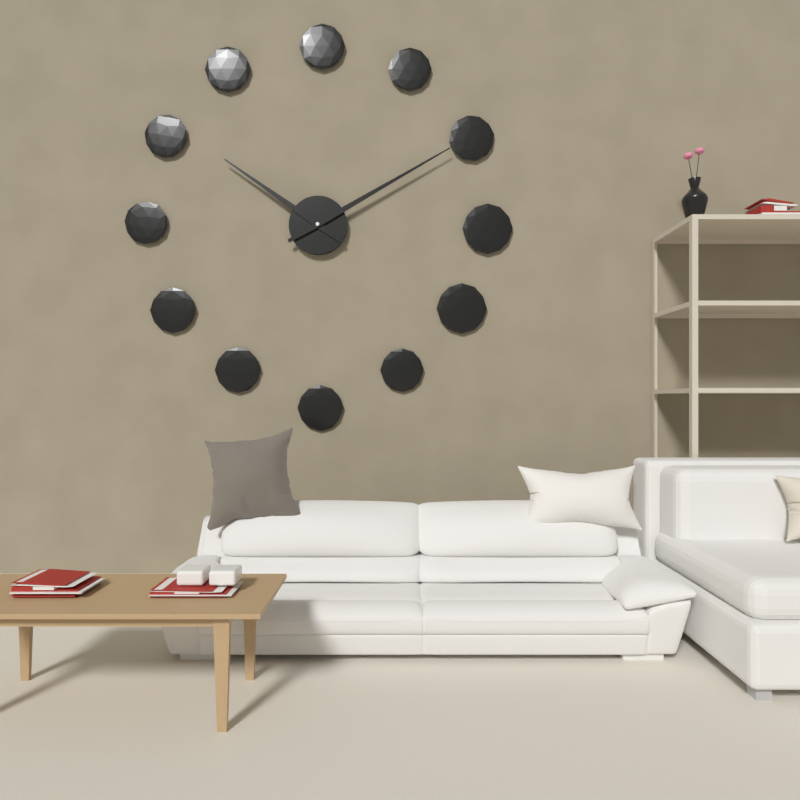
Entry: 10 h 10 min
